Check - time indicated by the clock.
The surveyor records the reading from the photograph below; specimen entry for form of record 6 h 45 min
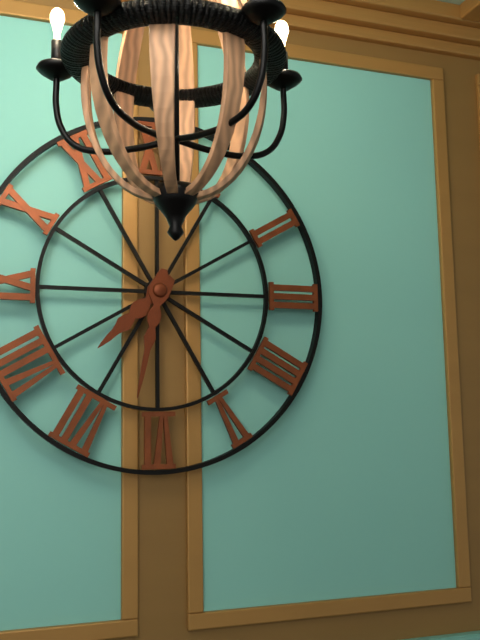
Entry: 7 h 32 min
